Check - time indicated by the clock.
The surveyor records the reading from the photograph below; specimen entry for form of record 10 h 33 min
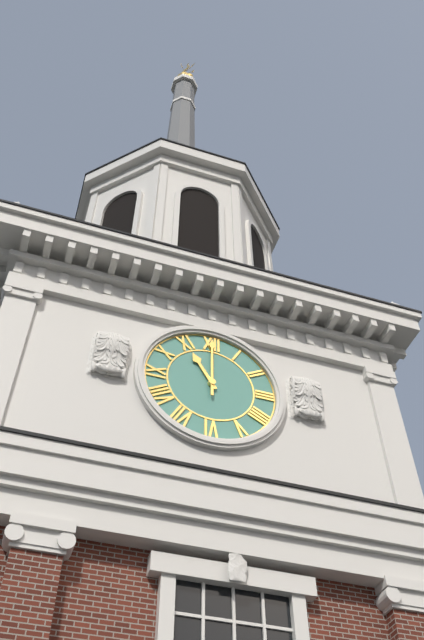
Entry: 11 h 00 min
